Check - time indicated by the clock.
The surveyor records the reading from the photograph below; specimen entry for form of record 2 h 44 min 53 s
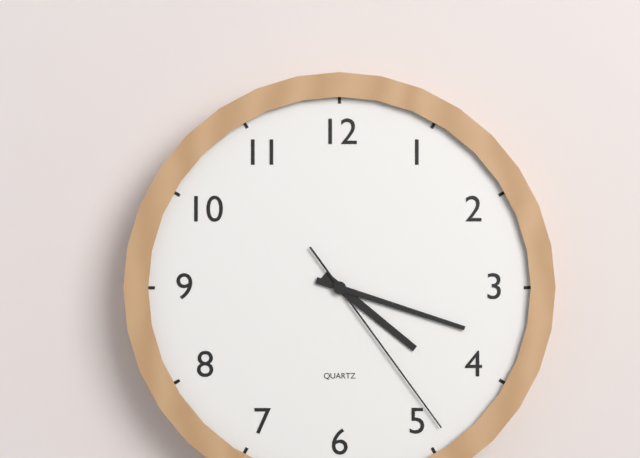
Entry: 4 h 18 min 24 s
